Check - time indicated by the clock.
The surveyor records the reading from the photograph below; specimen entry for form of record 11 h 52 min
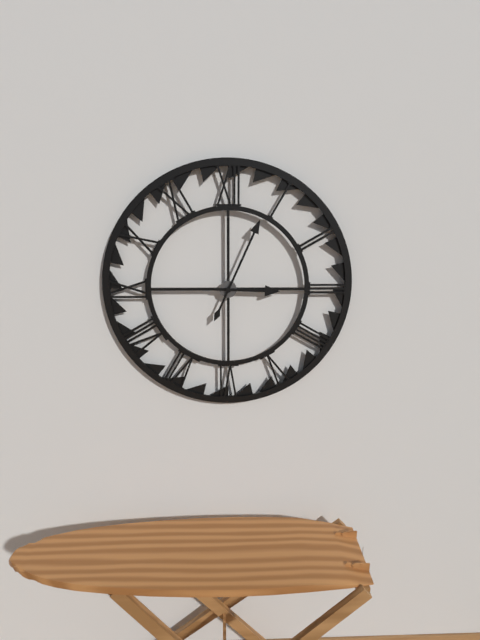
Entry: 3 h 04 min
